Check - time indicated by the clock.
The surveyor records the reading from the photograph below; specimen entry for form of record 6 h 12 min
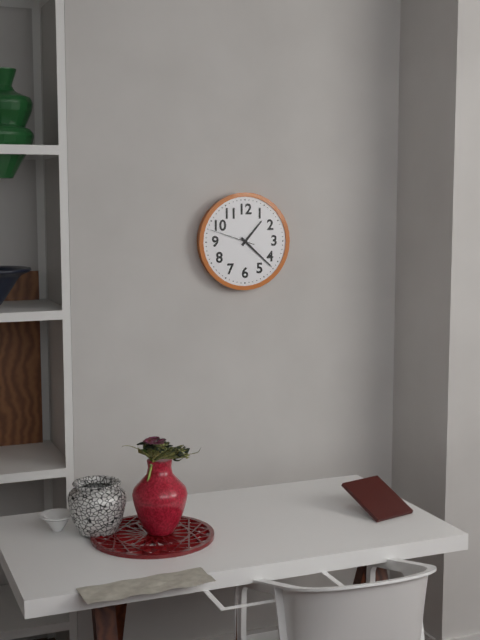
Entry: 1 h 22 min
